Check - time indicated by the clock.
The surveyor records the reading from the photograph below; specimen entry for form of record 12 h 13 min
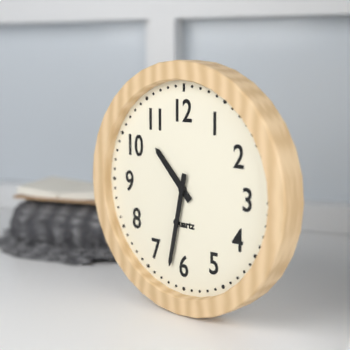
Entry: 10 h 32 min
